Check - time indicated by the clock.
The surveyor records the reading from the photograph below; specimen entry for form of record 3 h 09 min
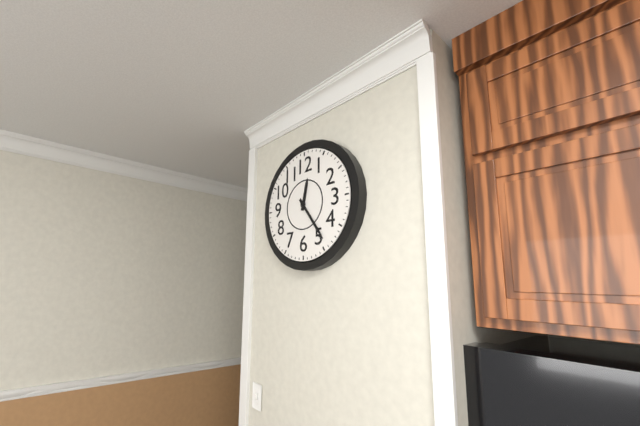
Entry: 12 h 24 min
